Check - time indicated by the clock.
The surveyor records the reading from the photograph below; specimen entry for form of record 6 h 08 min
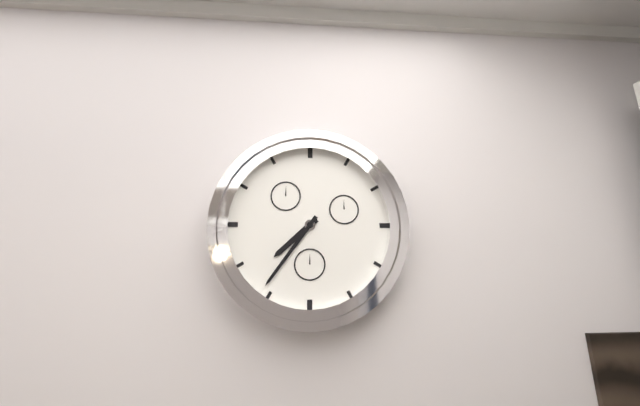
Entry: 7 h 36 min
